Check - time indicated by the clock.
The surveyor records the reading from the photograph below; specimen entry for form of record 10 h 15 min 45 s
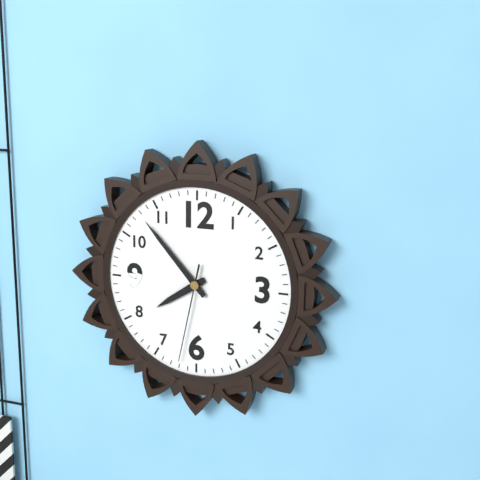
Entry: 7 h 53 min 32 s
